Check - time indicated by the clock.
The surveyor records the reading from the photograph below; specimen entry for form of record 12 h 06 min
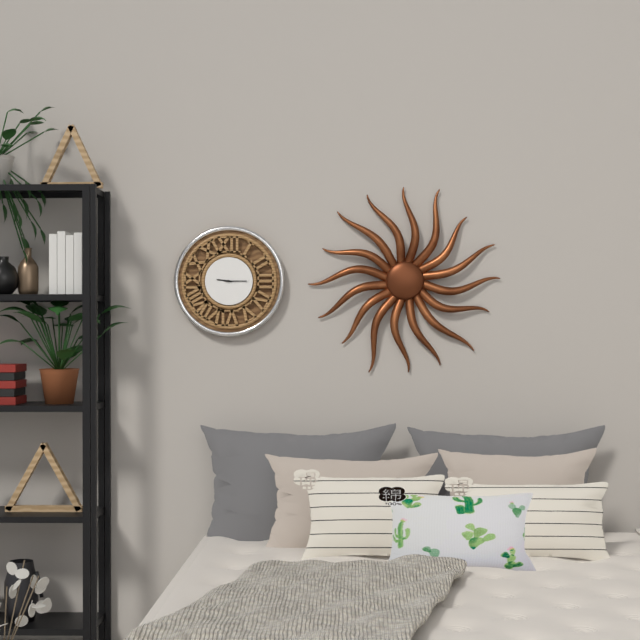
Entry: 9 h 15 min
